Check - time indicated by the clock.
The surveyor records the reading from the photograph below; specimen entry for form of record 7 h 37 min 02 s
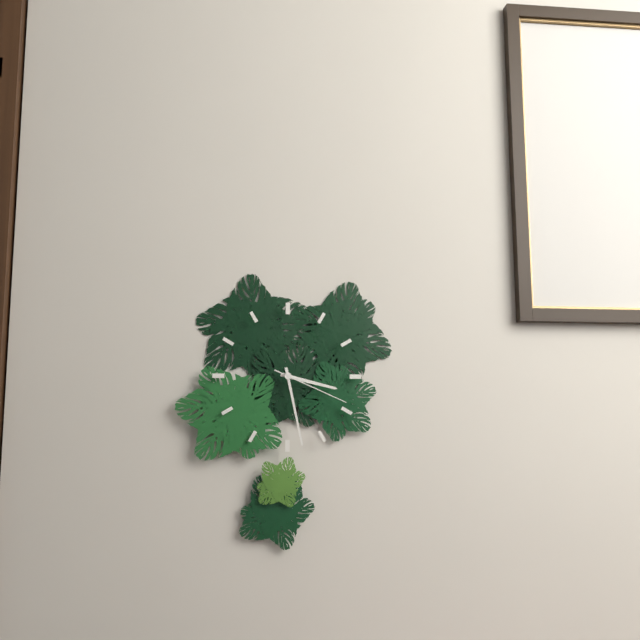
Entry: 3 h 28 min 19 s
